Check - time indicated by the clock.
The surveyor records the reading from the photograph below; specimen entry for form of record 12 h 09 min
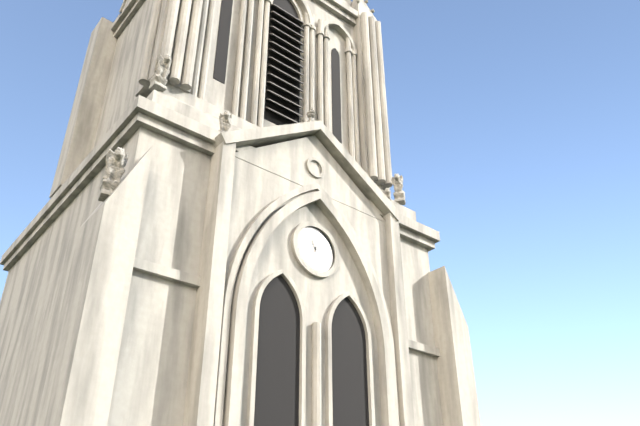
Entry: 11 h 02 min
